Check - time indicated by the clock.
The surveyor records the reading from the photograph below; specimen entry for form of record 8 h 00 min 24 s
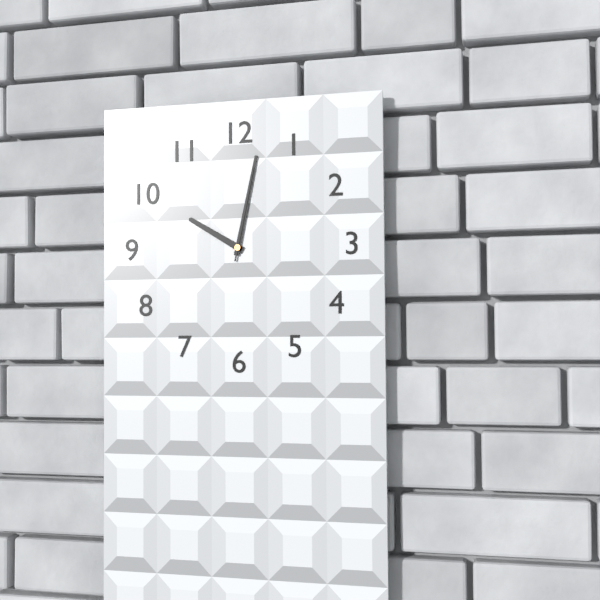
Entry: 10 h 02 min 02 s
